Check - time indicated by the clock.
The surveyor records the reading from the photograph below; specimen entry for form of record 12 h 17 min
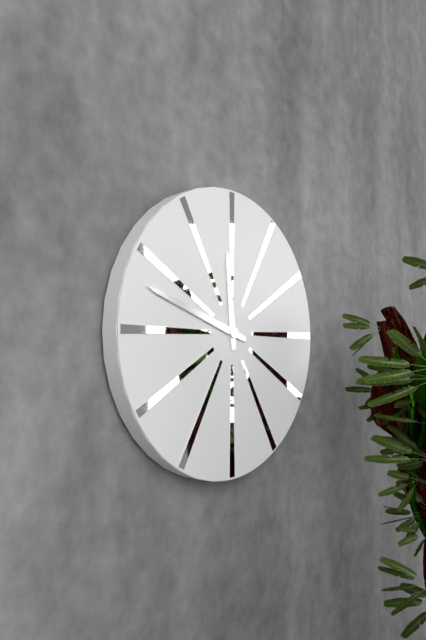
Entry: 11 h 48 min
